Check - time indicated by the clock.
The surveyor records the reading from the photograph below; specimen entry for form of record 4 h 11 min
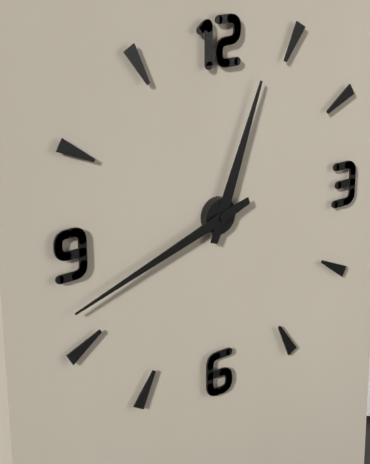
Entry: 12 h 42 min
